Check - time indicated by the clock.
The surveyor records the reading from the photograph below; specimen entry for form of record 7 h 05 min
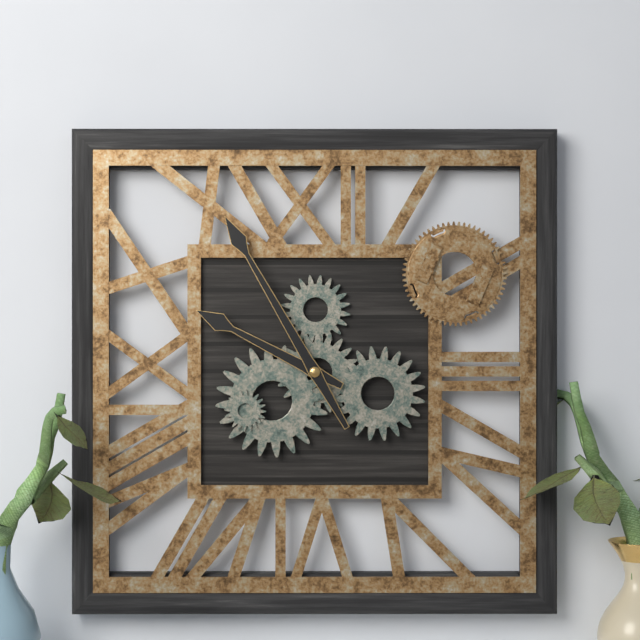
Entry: 9 h 55 min
